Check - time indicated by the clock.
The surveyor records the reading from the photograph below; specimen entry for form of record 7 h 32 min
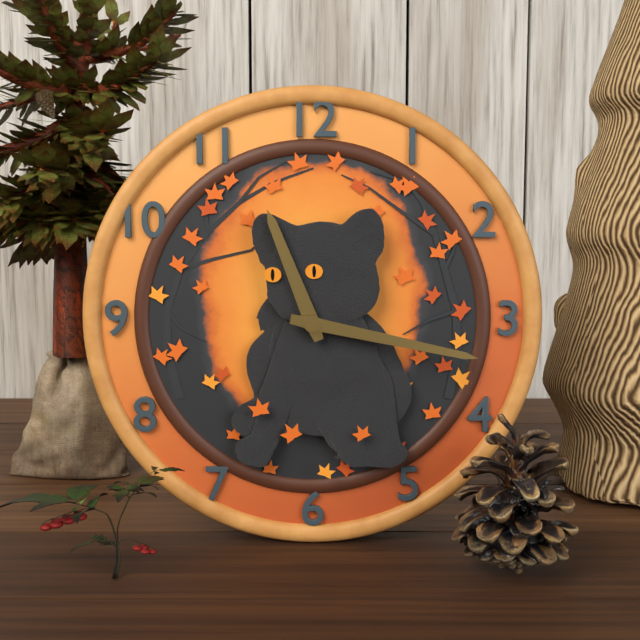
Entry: 11 h 17 min
